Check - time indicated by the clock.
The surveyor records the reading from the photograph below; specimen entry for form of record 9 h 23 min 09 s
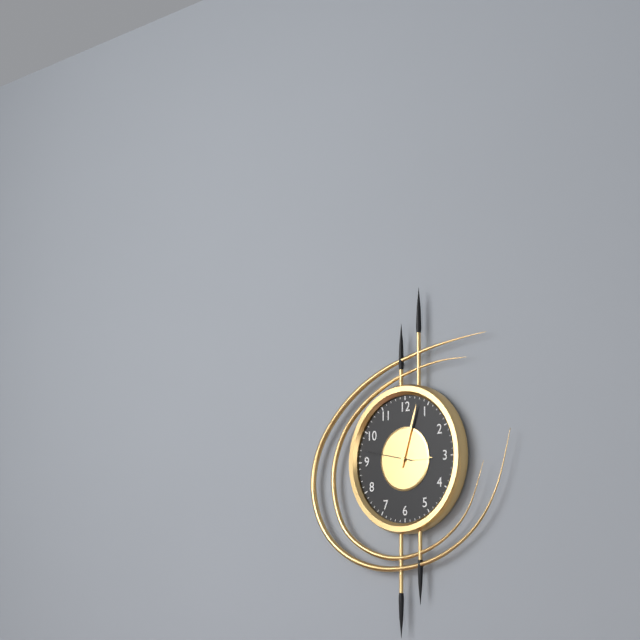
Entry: 3 h 03 min 47 s
